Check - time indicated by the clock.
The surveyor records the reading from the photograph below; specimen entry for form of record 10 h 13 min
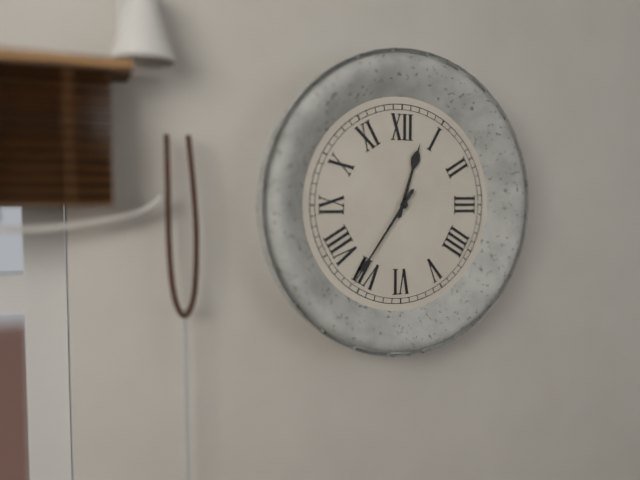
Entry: 12 h 36 min
